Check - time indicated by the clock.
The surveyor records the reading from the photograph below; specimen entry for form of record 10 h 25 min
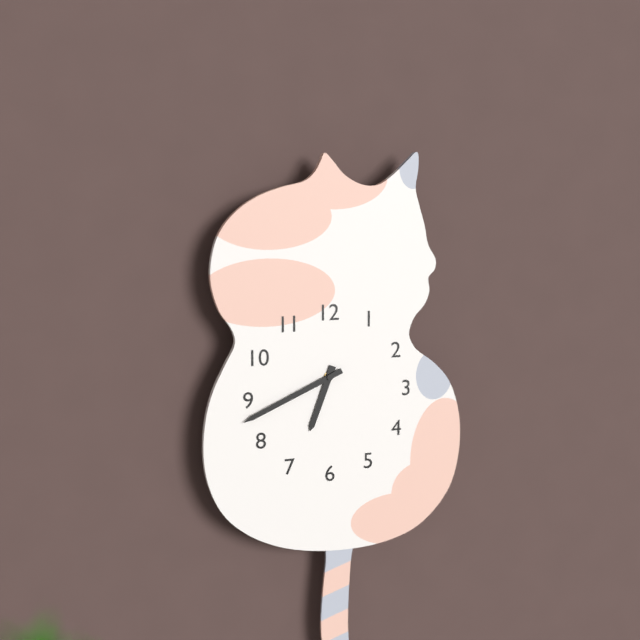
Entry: 6 h 41 min
